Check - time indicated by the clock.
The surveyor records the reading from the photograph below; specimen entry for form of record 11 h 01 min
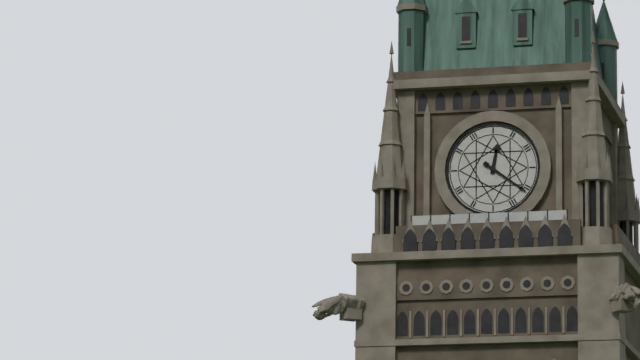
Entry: 12 h 21 min
